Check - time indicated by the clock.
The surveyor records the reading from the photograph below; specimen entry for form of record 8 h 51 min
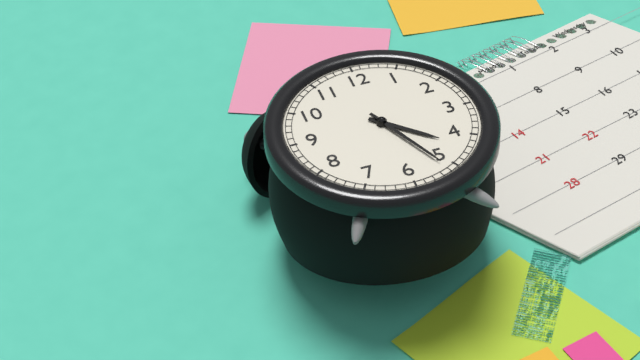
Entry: 4 h 26 min
